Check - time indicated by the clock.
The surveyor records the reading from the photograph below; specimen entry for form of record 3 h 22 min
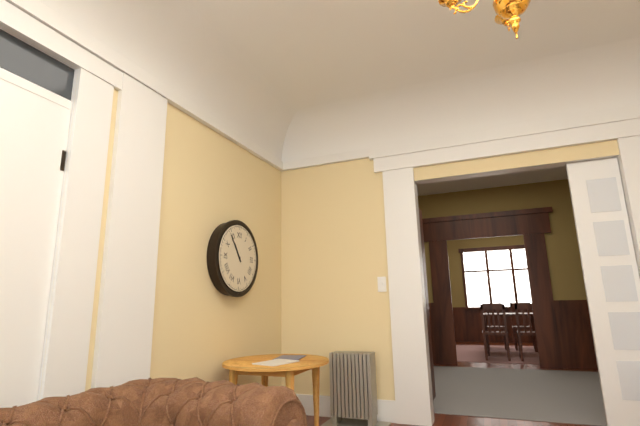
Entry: 10 h 54 min
